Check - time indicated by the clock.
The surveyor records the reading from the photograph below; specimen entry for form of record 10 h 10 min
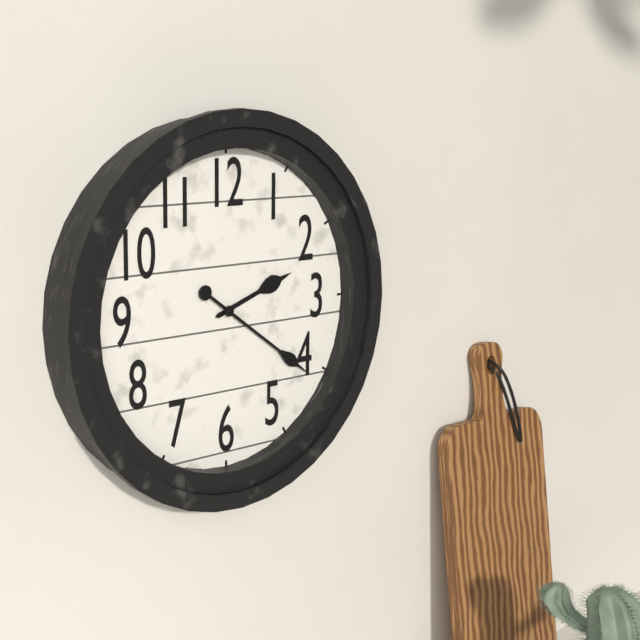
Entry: 2 h 21 min
